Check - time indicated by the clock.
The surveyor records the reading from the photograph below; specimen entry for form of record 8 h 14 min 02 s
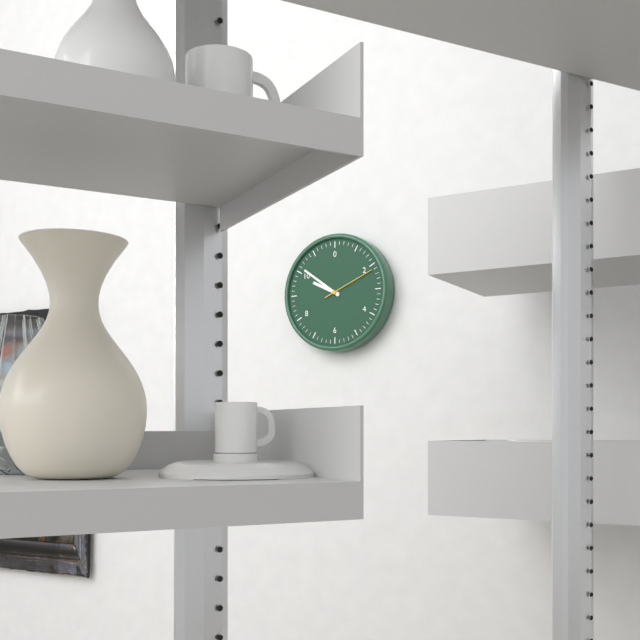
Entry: 9 h 51 min 11 s
